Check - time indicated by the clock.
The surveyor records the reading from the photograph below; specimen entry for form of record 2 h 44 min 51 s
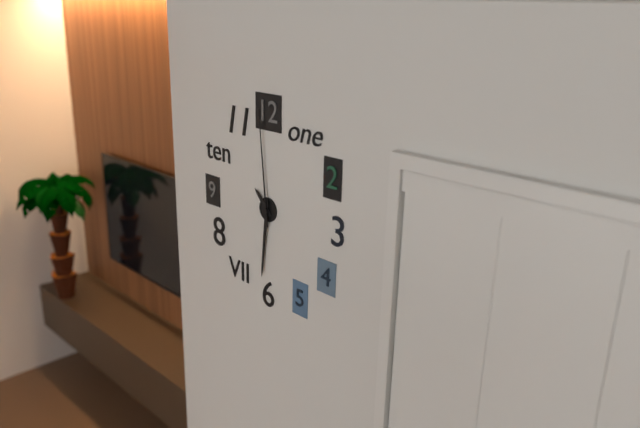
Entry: 10 h 31 min 59 s
